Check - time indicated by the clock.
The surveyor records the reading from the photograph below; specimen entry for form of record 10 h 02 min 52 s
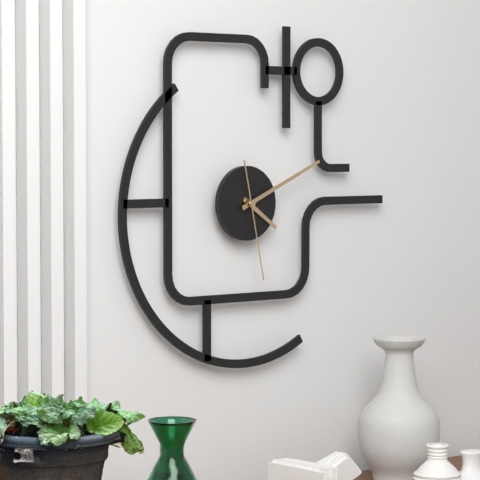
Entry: 4 h 11 min 28 s
